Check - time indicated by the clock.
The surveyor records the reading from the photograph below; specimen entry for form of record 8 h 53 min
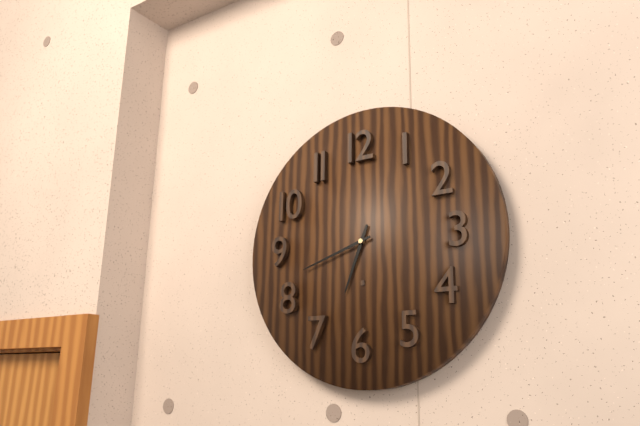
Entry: 6 h 42 min
